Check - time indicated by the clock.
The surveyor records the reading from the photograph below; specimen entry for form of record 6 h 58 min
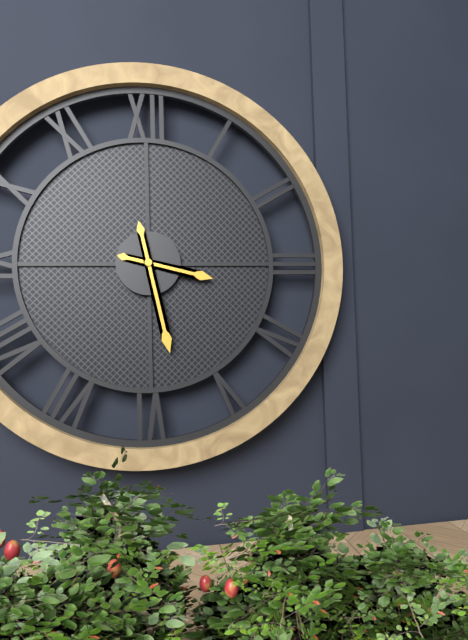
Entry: 3 h 28 min
